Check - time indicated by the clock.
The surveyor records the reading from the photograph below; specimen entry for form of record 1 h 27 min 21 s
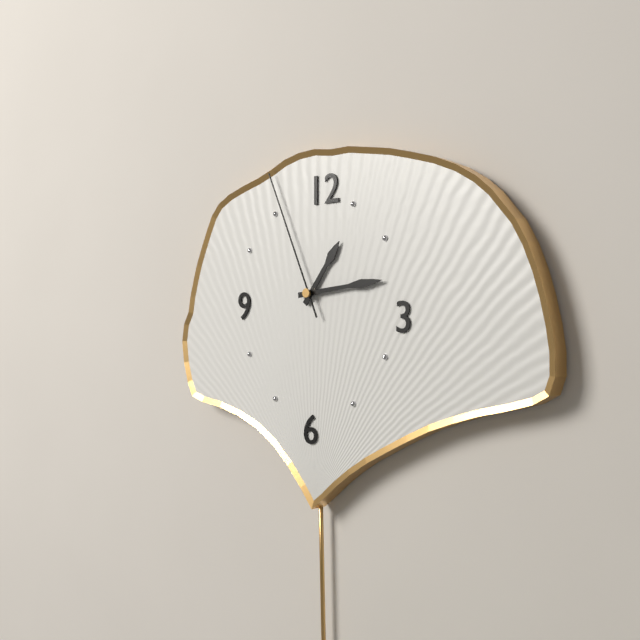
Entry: 1 h 14 min 56 s
